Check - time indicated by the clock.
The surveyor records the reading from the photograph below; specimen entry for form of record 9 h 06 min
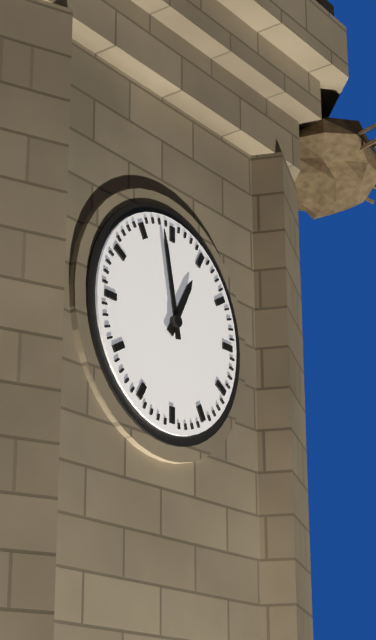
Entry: 12 h 58 min
